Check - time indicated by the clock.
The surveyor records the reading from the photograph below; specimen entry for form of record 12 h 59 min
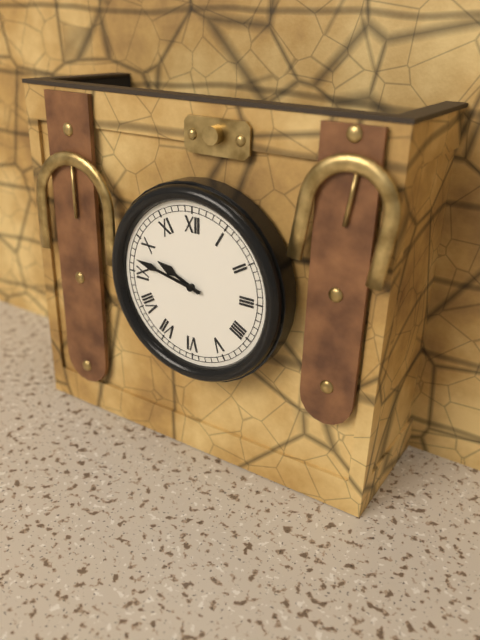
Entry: 9 h 47 min
